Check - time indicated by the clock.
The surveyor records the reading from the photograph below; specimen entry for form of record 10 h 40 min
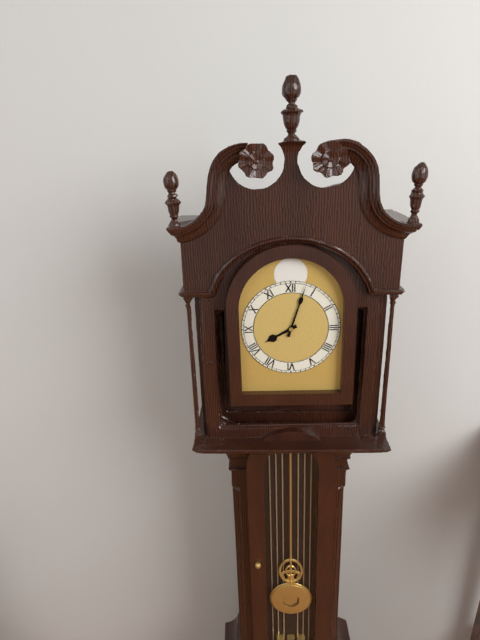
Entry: 8 h 03 min
